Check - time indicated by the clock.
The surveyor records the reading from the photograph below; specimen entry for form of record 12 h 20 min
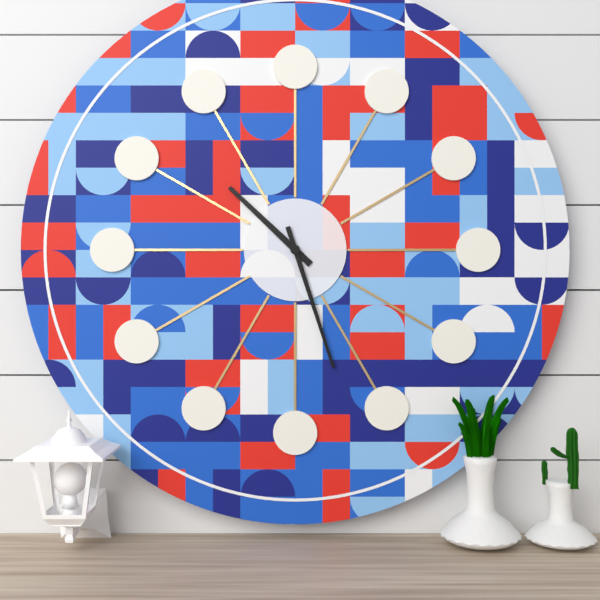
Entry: 10 h 27 min
